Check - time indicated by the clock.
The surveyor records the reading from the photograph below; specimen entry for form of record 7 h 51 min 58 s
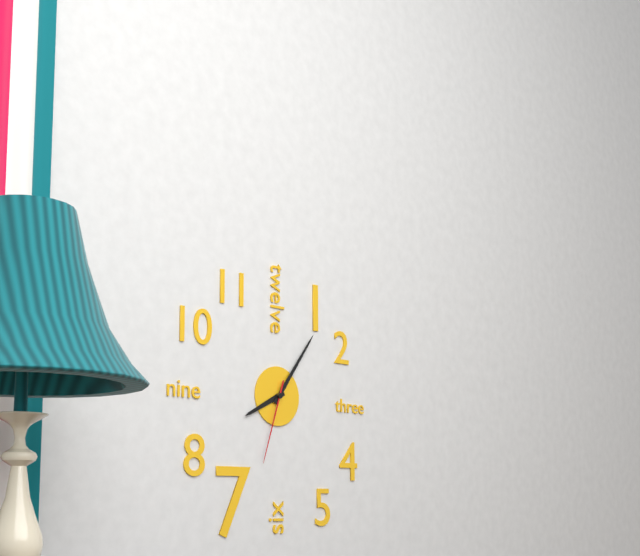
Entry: 8 h 06 min 33 s
